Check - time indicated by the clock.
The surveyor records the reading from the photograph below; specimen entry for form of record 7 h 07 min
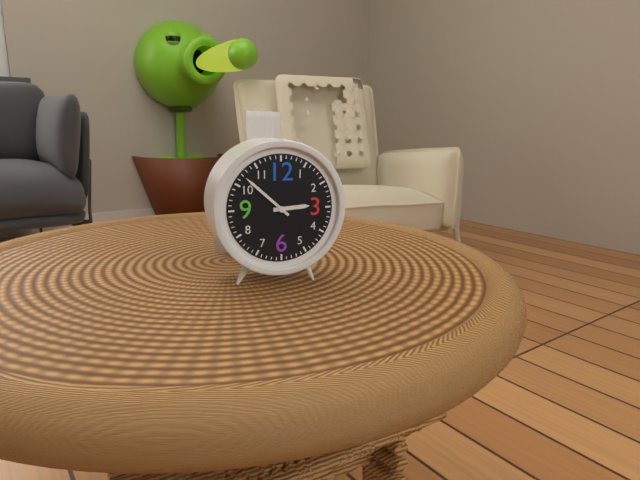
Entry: 2 h 52 min
